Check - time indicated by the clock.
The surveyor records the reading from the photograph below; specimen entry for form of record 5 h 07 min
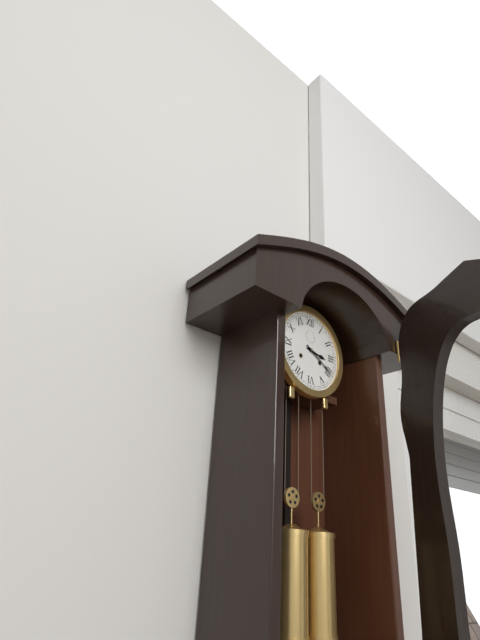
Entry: 3 h 20 min
